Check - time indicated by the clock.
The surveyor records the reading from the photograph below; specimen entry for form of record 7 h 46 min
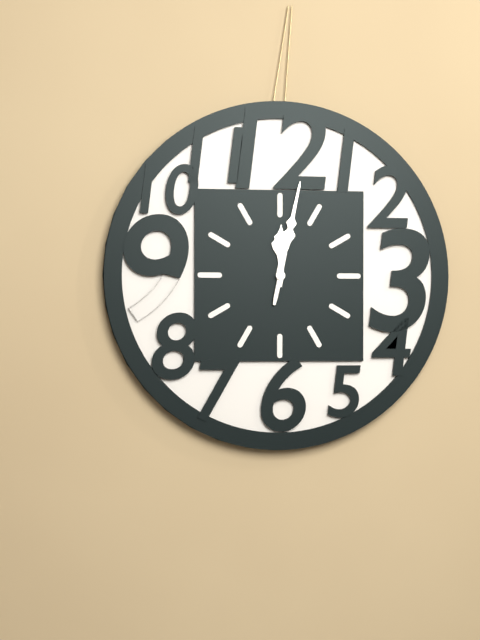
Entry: 12 h 02 min
